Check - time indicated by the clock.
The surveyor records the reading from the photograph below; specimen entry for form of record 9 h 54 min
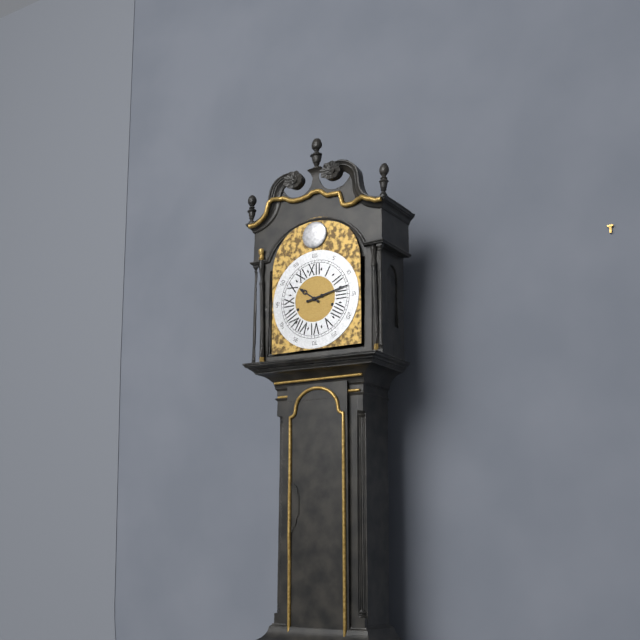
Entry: 10 h 13 min
